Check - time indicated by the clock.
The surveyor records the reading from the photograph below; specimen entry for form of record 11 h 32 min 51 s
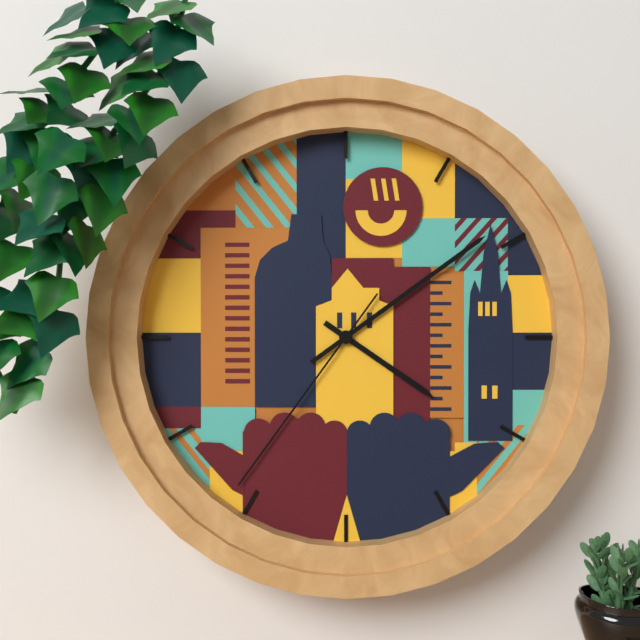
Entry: 4 h 09 min 36 s
